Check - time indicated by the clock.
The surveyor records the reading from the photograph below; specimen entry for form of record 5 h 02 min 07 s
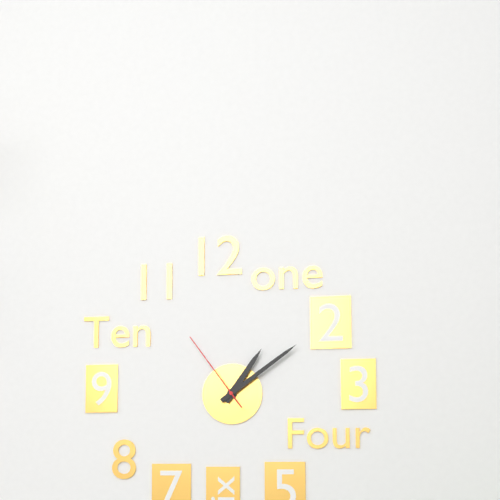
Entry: 1 h 09 min 54 s
